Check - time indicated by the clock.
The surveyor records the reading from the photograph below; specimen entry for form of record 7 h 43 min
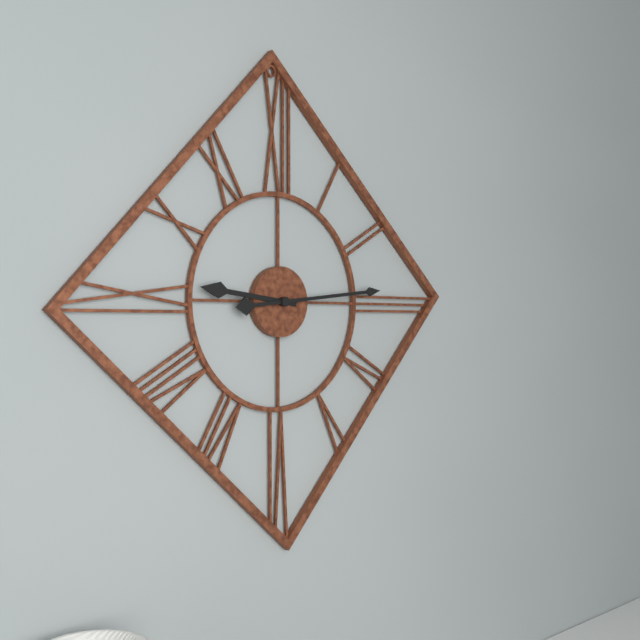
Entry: 9 h 14 min
